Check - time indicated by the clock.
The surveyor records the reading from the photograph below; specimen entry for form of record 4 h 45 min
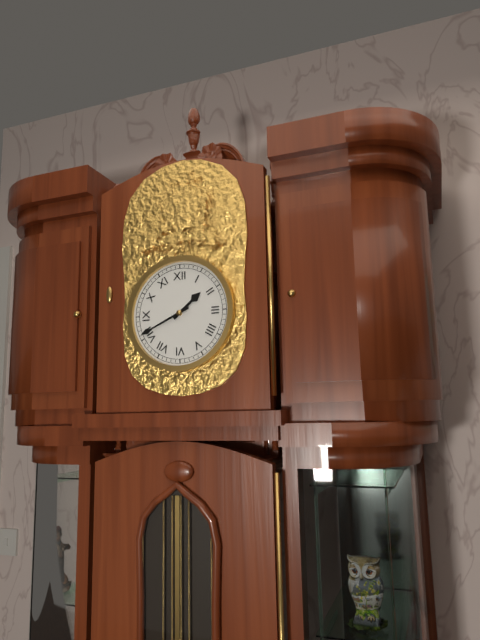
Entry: 1 h 41 min
